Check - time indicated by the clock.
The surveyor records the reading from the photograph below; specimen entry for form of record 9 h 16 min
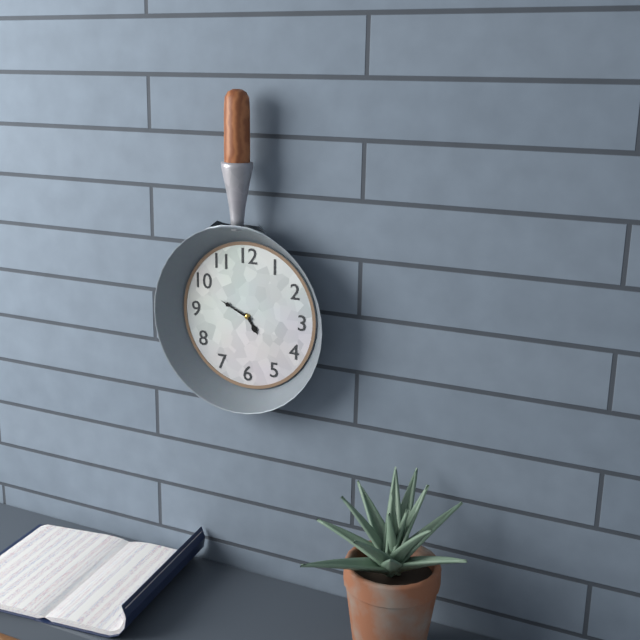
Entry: 4 h 49 min
